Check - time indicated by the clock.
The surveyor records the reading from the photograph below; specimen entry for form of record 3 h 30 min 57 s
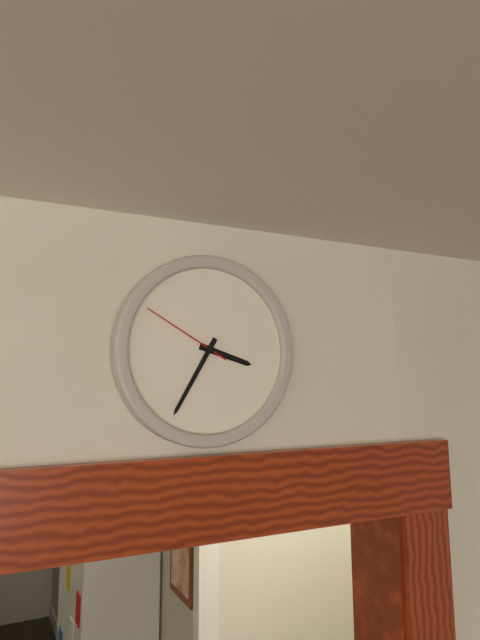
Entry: 3 h 35 min 50 s
